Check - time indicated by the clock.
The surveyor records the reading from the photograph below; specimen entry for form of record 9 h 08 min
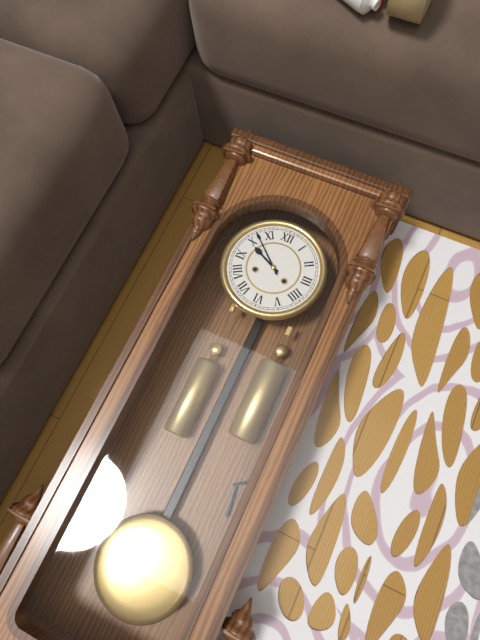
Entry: 9 h 52 min
